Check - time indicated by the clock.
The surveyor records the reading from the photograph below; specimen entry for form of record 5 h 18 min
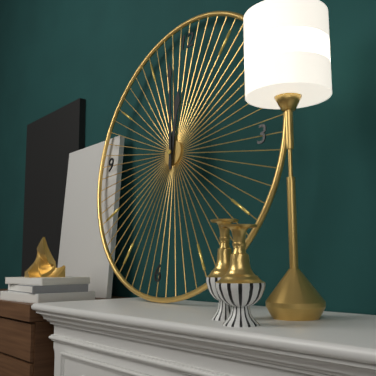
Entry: 11 h 58 min
